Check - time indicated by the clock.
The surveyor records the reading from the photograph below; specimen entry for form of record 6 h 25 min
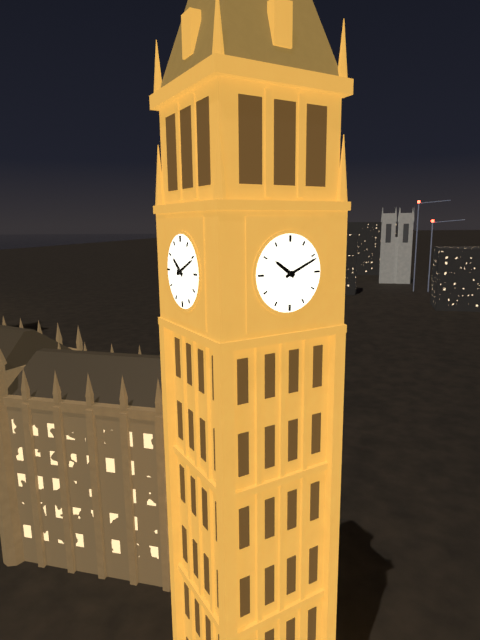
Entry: 10 h 11 min
